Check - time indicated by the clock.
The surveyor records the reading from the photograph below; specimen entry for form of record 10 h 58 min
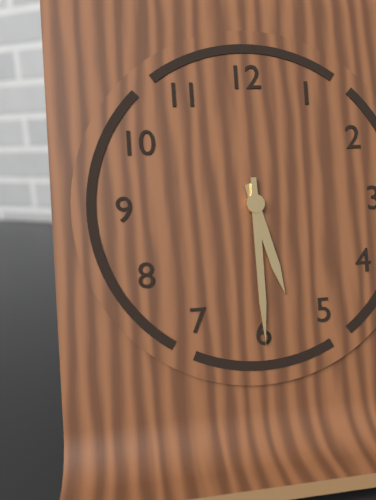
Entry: 5 h 30 min
